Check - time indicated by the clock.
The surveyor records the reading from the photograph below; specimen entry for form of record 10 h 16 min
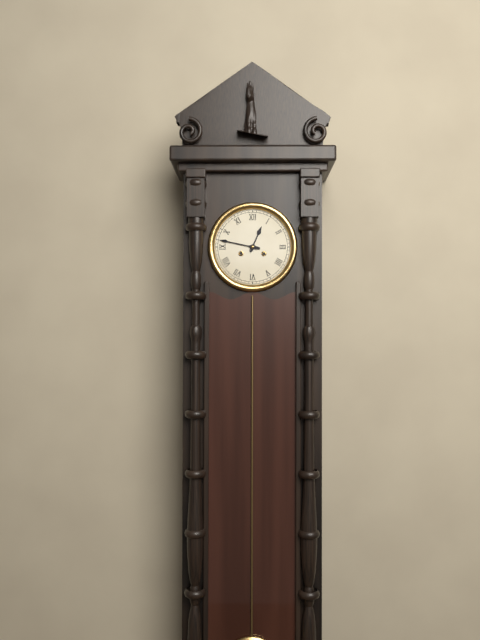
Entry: 12 h 47 min
